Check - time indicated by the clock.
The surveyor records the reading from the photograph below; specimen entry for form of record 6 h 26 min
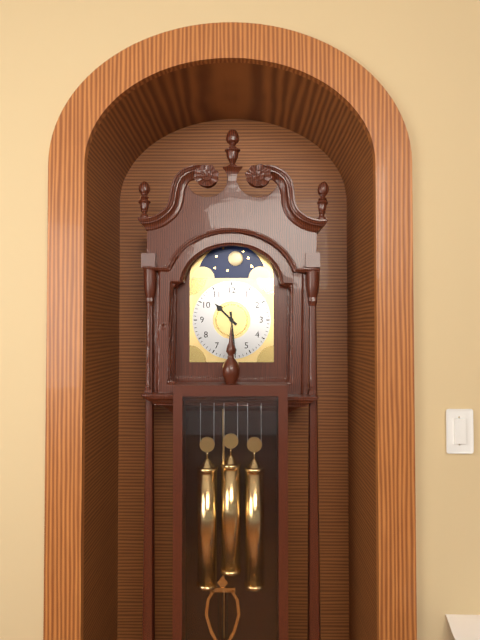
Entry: 10 h 29 min
